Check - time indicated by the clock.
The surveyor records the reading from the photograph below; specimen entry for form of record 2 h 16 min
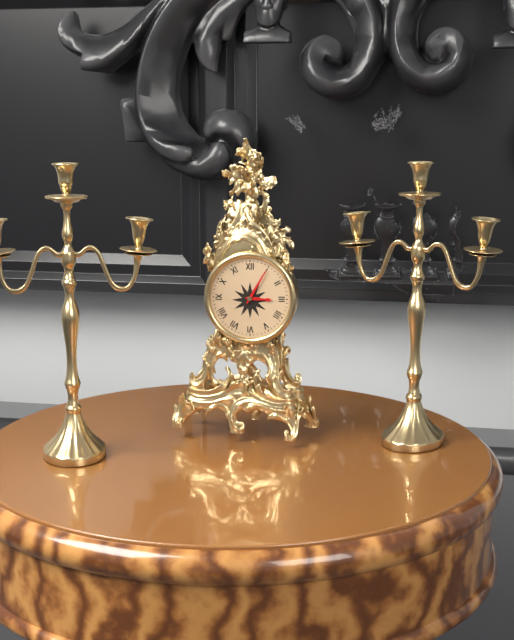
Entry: 3 h 05 min
